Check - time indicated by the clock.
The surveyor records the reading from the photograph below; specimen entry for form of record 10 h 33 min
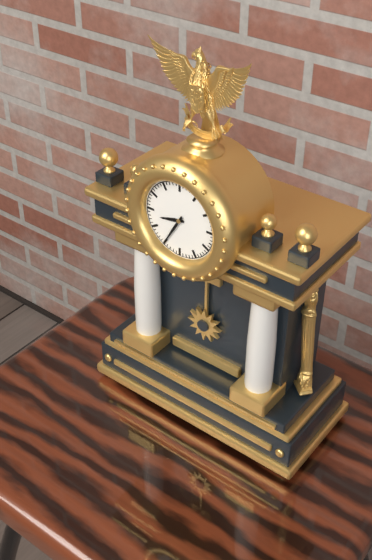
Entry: 8 h 35 min
